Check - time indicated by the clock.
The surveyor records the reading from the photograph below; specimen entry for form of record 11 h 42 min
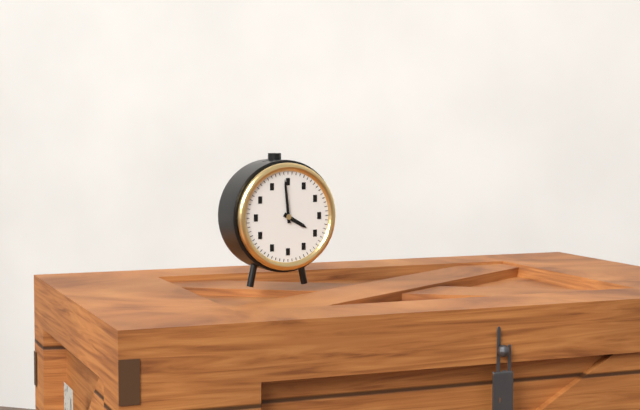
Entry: 3 h 59 min
